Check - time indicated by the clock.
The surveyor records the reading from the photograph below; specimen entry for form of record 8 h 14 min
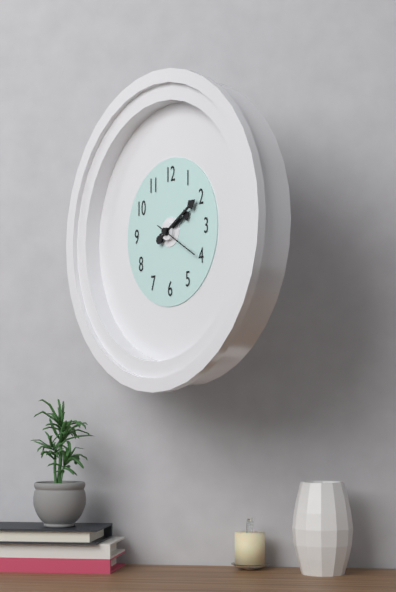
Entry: 2 h 10 min
